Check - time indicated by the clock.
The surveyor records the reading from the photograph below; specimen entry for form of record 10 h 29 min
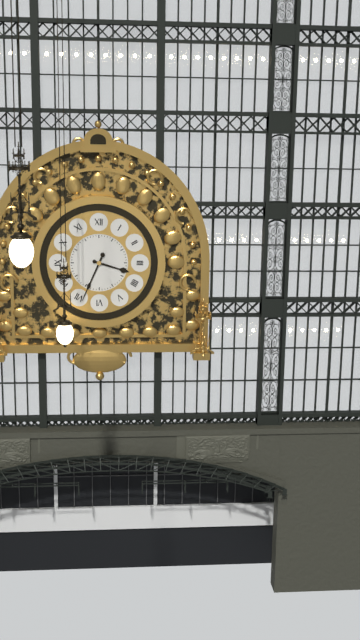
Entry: 3 h 34 min
